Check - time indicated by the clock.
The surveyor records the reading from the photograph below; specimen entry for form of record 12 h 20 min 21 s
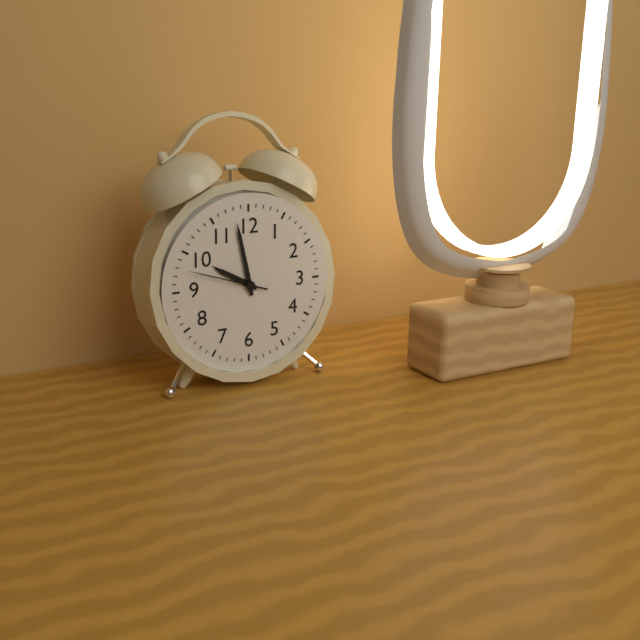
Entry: 9 h 58 min 48 s
